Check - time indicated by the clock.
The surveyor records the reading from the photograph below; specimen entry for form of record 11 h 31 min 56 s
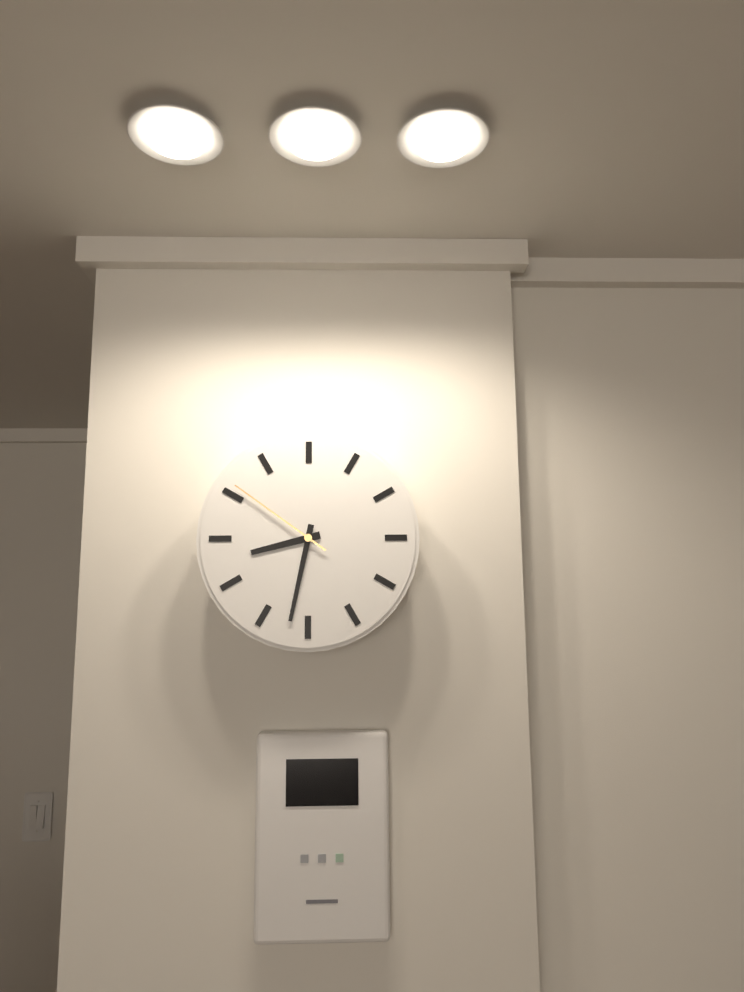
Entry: 8 h 32 min 51 s
